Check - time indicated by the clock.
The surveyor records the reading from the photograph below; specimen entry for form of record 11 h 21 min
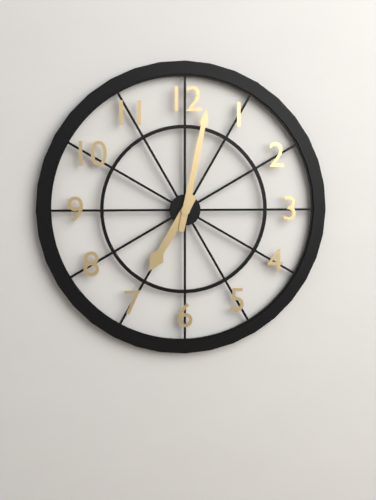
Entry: 7 h 02 min
